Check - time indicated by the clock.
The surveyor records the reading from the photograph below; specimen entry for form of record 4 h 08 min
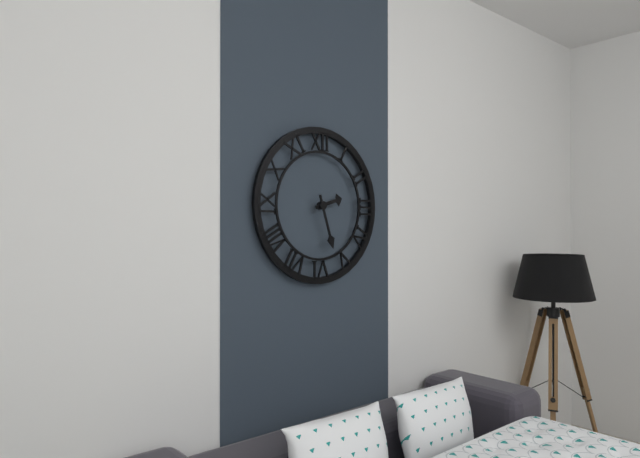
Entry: 2 h 27 min
